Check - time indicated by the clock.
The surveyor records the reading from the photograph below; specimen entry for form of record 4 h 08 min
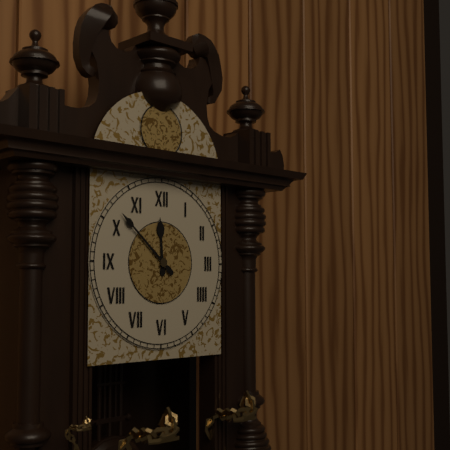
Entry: 11 h 52 min
